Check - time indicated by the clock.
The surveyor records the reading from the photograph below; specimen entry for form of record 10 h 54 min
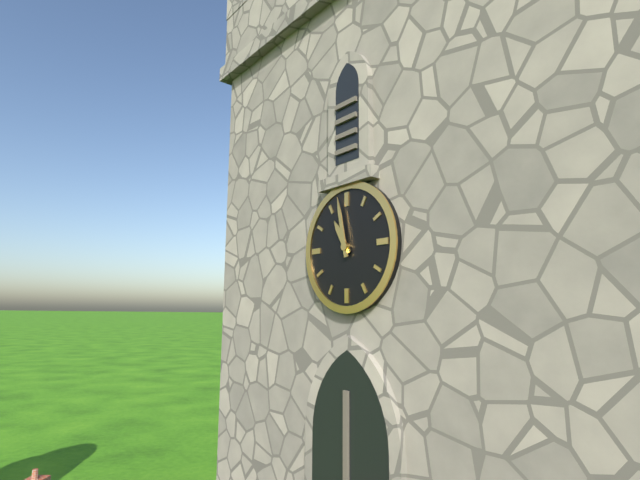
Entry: 10 h 58 min
